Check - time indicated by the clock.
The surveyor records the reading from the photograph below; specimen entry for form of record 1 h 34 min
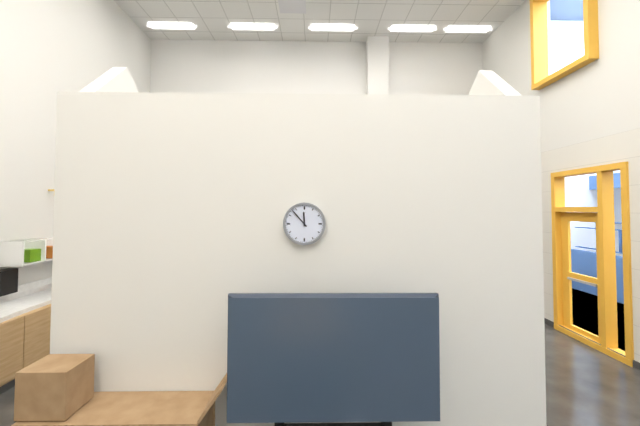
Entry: 11 h 53 min
